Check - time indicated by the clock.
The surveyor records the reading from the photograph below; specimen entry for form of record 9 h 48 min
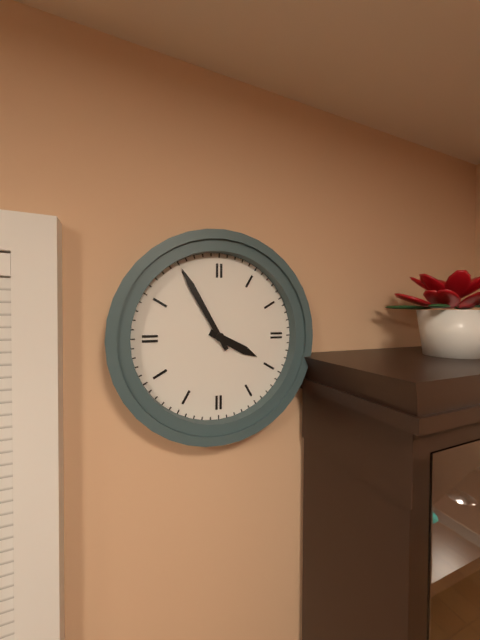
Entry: 3 h 55 min
